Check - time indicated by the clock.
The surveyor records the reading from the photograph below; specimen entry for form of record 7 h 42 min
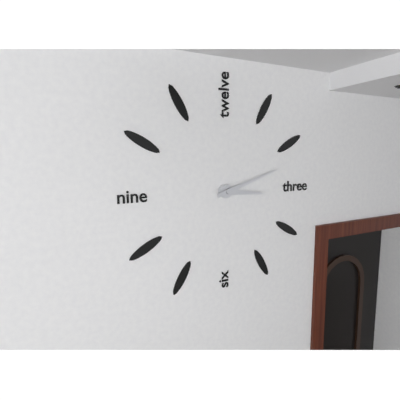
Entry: 3 h 12 min
